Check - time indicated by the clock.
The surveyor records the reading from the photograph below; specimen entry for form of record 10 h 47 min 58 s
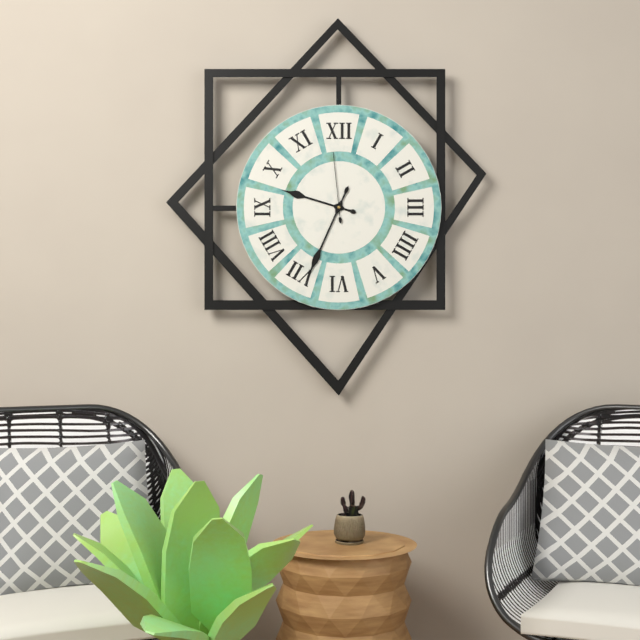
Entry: 9 h 34 min 59 s
